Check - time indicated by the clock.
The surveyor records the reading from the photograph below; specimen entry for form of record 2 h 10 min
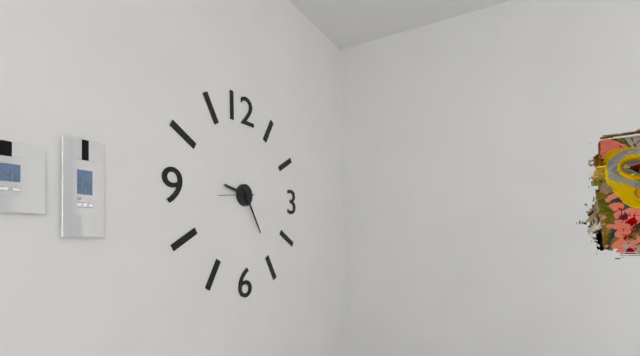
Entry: 9 h 25 min
